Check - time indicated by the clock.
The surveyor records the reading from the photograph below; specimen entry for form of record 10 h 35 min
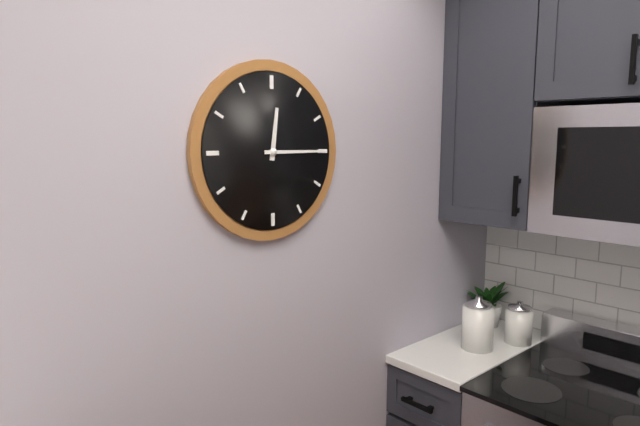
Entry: 12 h 15 min
